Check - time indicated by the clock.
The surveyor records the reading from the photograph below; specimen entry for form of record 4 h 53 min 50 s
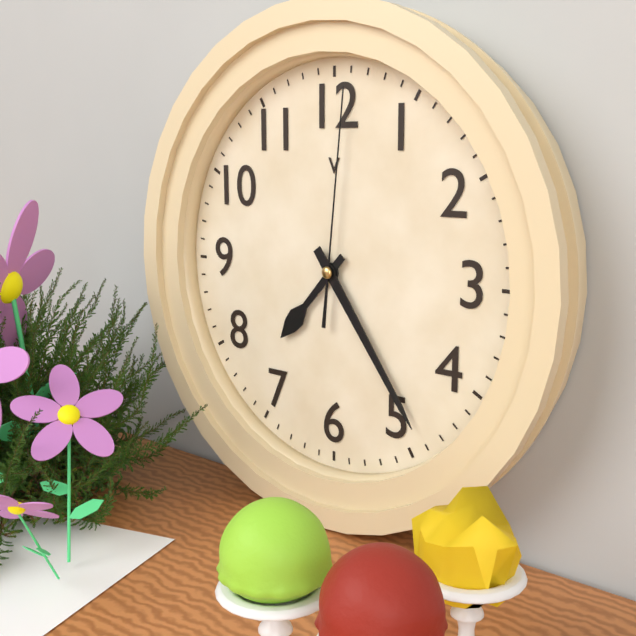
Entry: 7 h 24 min 01 s
